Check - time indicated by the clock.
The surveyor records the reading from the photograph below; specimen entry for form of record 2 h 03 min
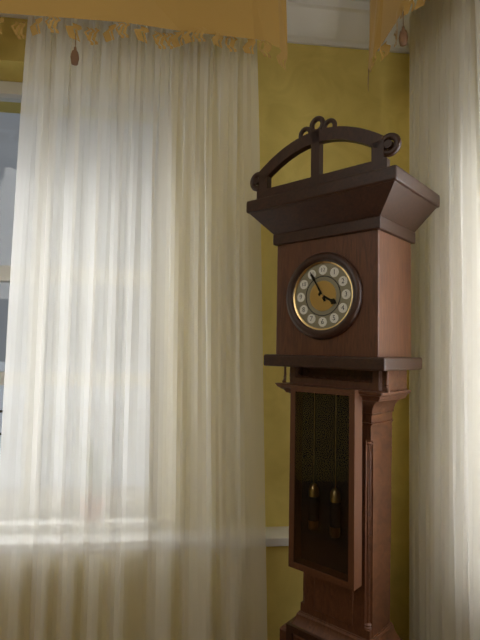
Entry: 3 h 55 min
